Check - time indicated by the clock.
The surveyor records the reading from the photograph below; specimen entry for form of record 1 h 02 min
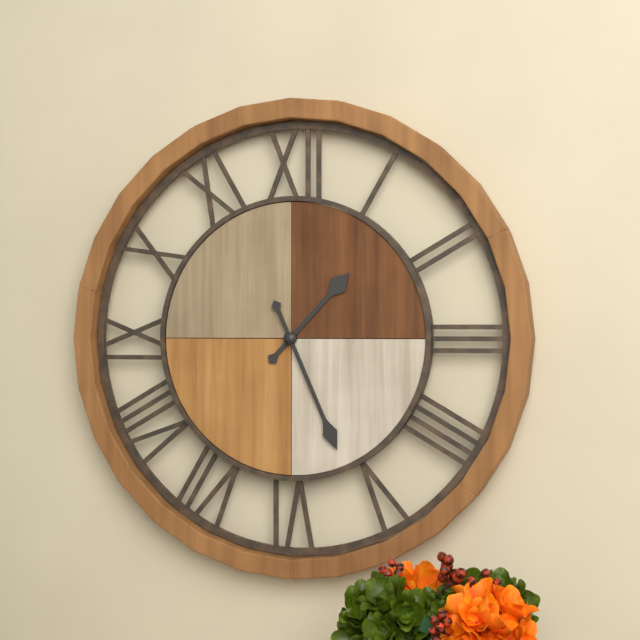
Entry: 1 h 26 min
